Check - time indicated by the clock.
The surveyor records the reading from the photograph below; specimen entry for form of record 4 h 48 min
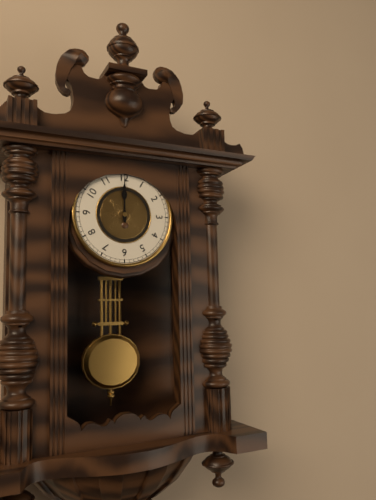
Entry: 12 h 00 min
